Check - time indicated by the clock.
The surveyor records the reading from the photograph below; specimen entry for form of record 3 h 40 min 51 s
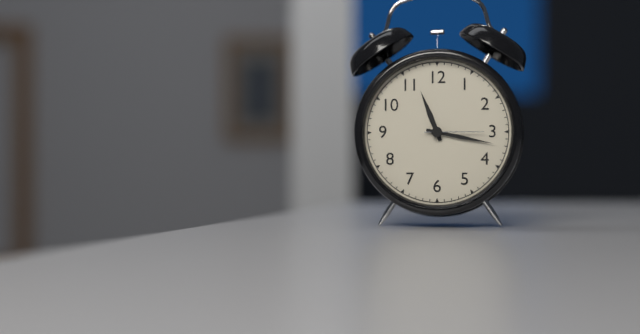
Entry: 11 h 17 min 15 s
